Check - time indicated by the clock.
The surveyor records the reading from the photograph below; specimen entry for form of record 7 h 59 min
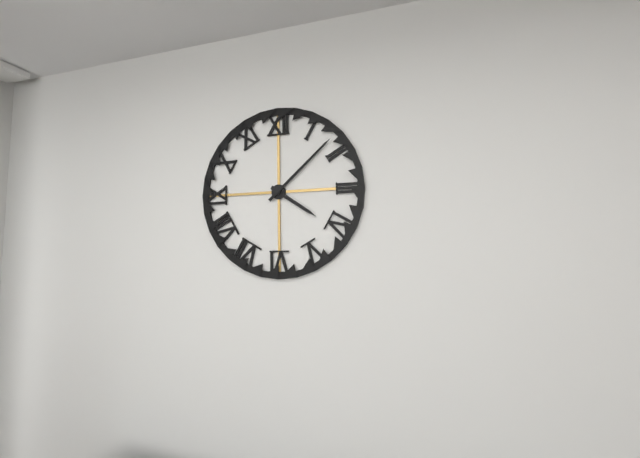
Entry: 4 h 08 min
